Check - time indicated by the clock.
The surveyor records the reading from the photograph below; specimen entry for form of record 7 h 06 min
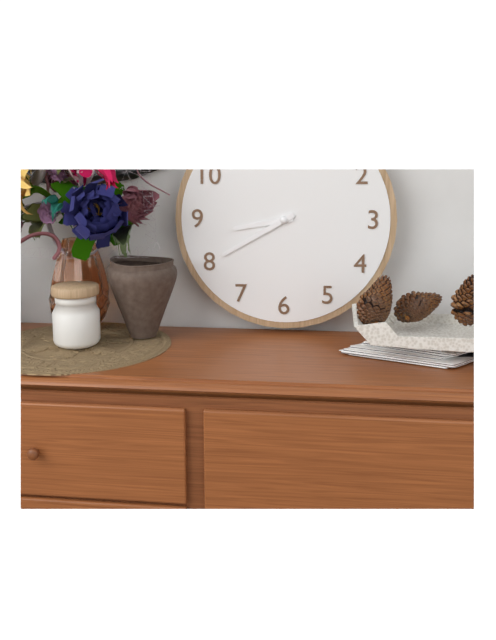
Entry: 8 h 40 min
